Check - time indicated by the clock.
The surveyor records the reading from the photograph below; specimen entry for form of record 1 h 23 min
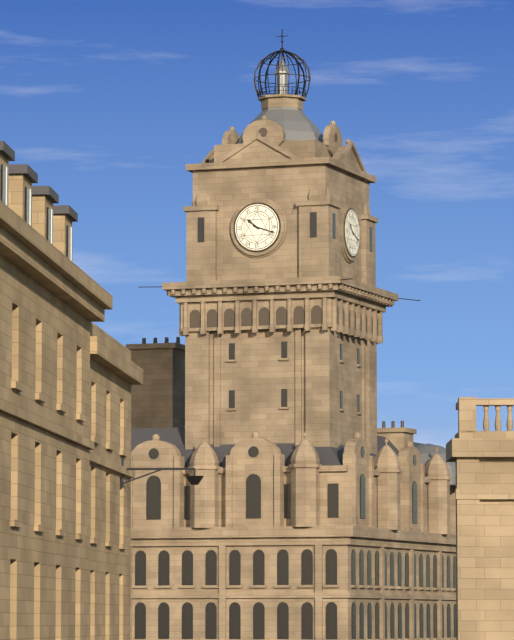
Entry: 10 h 18 min
